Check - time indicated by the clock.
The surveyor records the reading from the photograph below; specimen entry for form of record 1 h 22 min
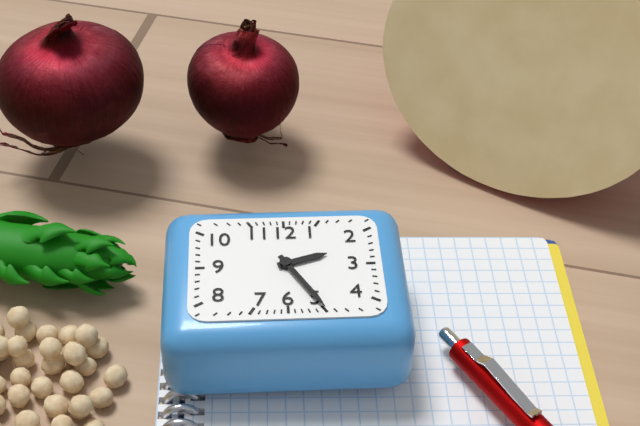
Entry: 2 h 25 min
